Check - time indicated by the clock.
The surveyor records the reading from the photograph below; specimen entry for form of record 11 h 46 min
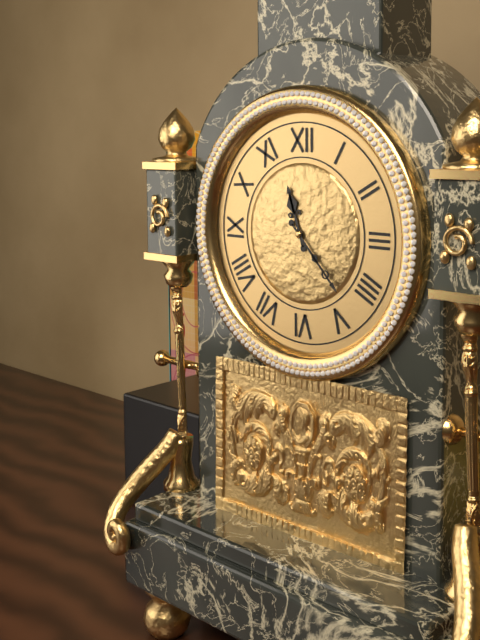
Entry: 11 h 23 min
